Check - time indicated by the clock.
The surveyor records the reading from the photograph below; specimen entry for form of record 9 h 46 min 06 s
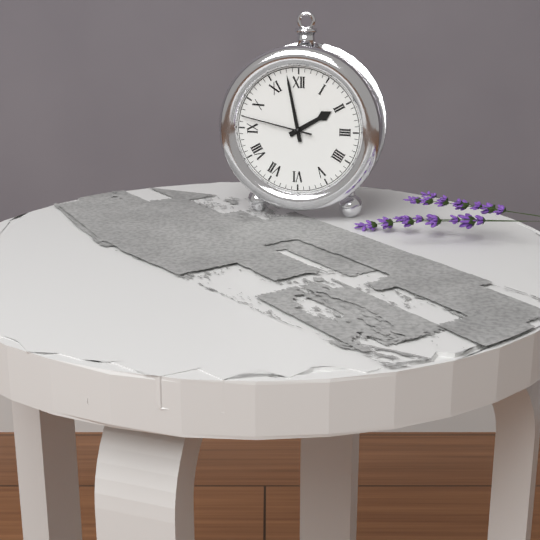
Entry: 1 h 58 min 47 s
